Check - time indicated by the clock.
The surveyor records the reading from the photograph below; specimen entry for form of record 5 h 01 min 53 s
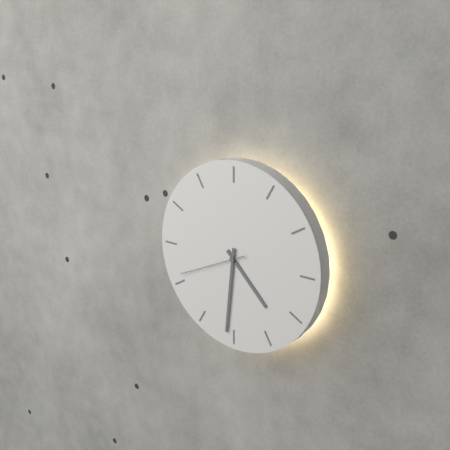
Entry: 4 h 31 min 41 s
